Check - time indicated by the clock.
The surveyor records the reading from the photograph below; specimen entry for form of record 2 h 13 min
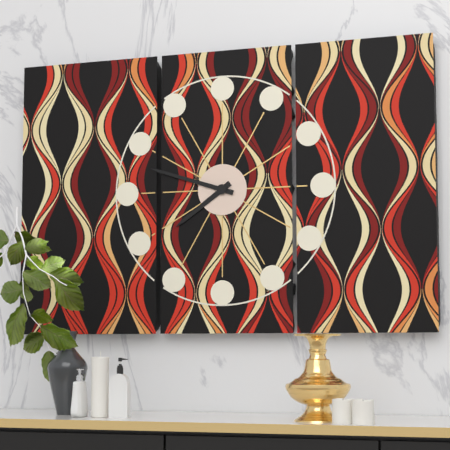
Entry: 7 h 48 min
